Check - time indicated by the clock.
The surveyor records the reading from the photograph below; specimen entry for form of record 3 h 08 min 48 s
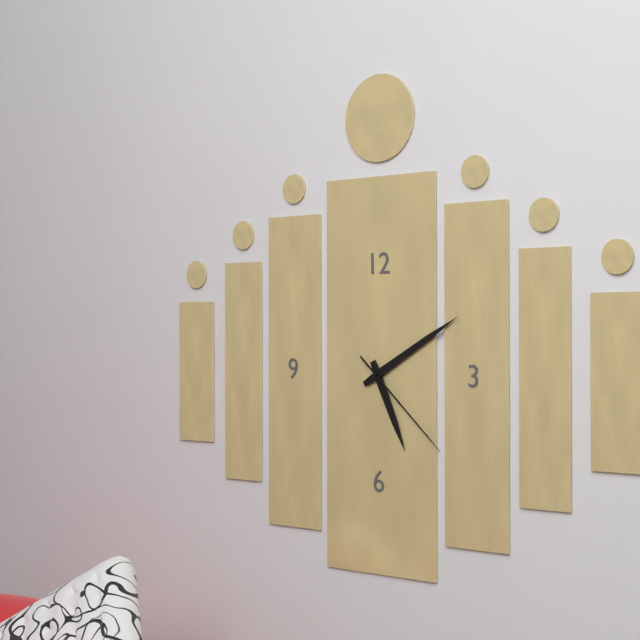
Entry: 5 h 10 min 22 s
